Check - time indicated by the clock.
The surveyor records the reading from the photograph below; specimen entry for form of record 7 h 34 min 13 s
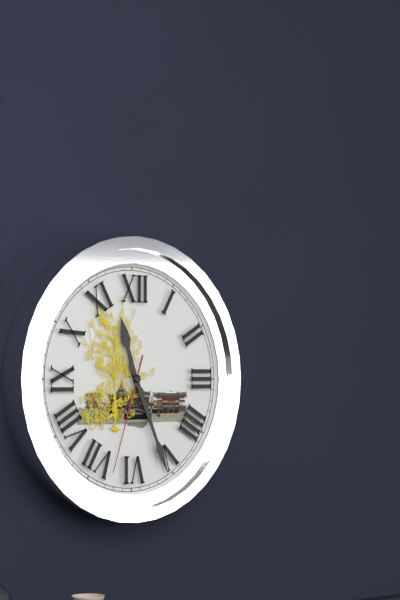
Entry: 11 h 26 min 33 s
